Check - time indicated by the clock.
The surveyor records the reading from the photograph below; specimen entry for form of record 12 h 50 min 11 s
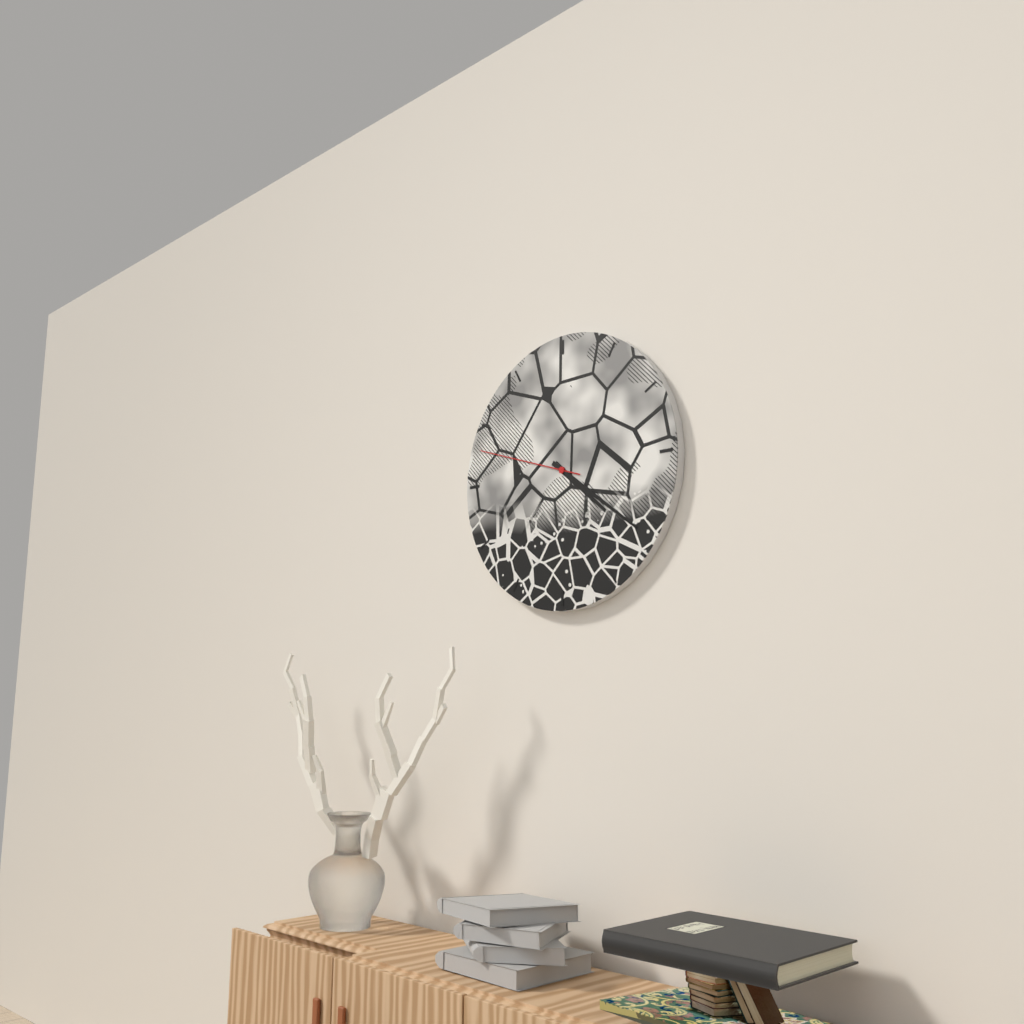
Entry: 4 h 21 min 48 s
